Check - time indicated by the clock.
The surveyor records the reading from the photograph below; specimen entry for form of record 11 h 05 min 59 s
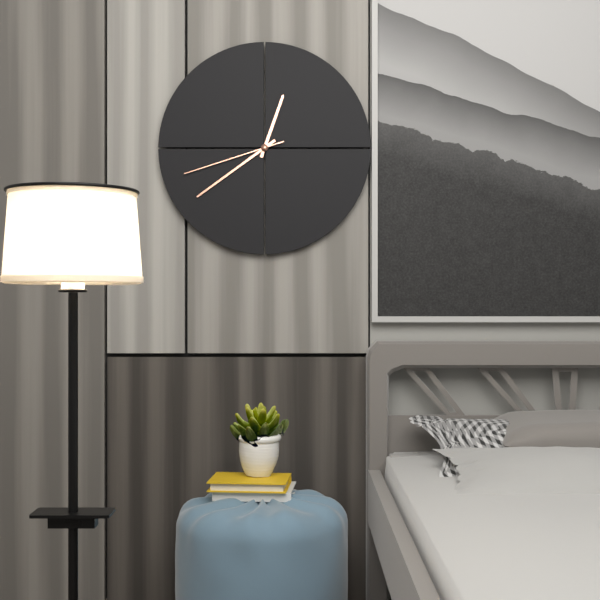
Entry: 12 h 39 min 42 s
